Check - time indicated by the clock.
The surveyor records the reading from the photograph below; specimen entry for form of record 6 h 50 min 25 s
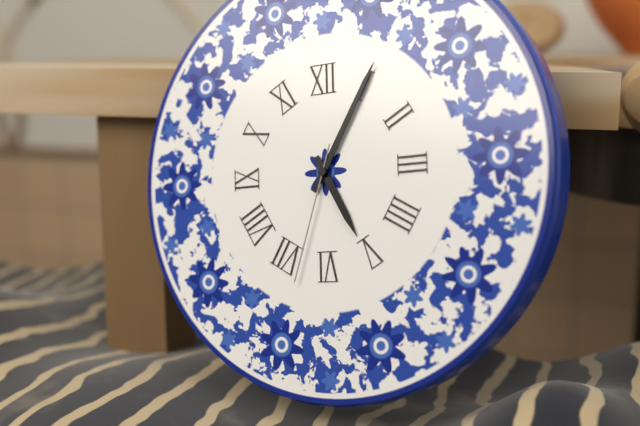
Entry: 5 h 05 min 33 s
